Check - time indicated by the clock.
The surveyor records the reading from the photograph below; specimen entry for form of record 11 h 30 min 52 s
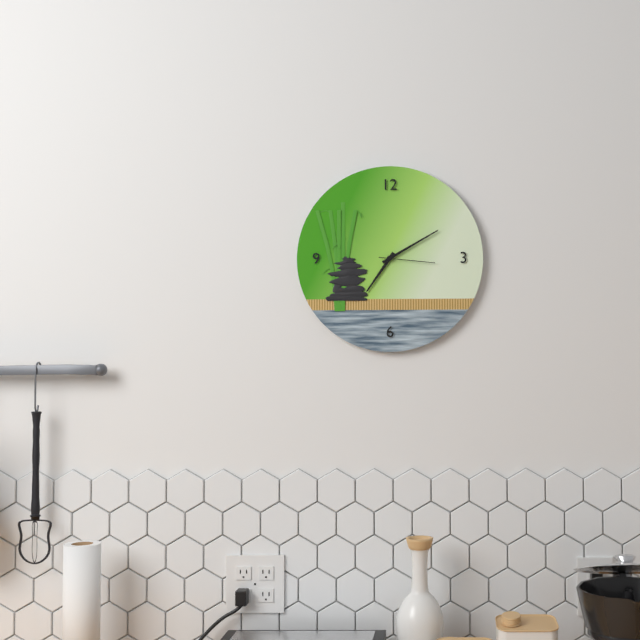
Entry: 7 h 10 min 16 s
